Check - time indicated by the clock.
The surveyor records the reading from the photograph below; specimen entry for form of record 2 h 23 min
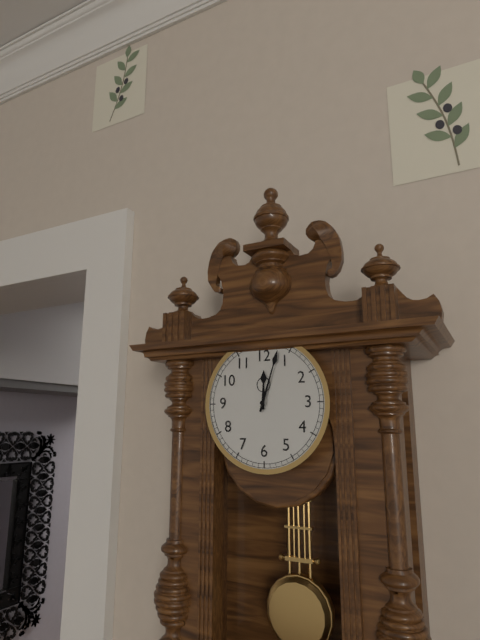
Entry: 12 h 03 min
